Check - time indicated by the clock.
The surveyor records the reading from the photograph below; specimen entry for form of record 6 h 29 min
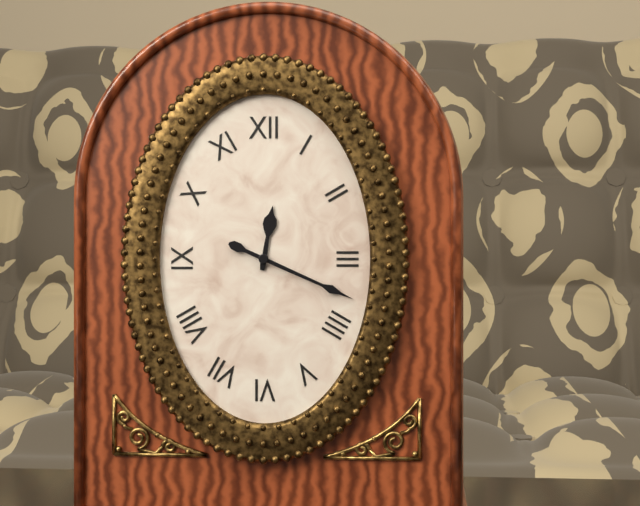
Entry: 12 h 19 min
